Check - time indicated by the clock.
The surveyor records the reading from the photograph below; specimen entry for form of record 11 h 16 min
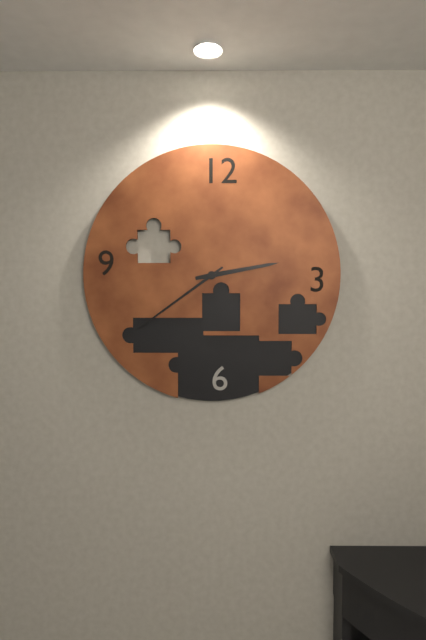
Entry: 2 h 39 min
